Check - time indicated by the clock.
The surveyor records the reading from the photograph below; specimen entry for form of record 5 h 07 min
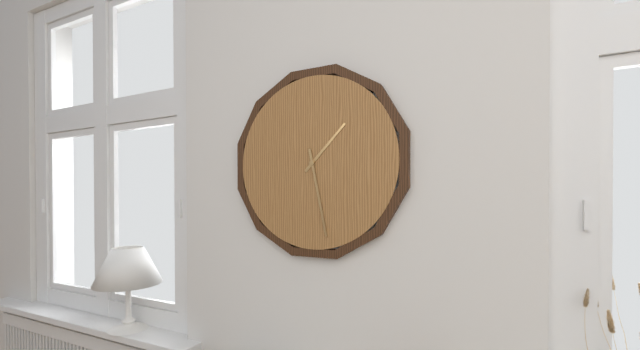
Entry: 1 h 28 min
